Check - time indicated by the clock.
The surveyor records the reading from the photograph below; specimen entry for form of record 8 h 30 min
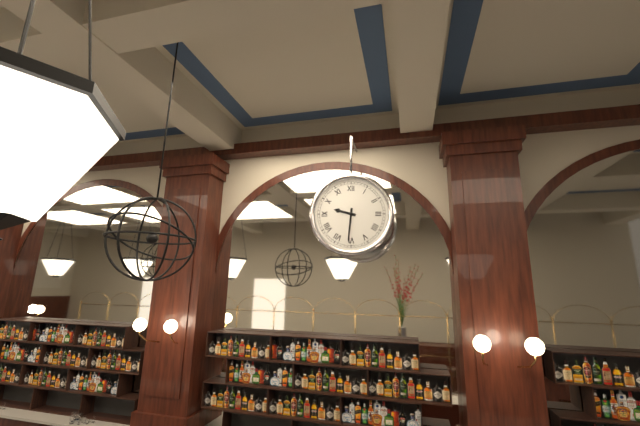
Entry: 9 h 31 min
